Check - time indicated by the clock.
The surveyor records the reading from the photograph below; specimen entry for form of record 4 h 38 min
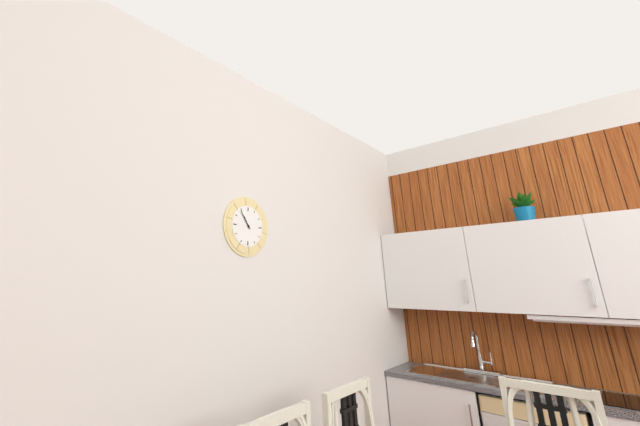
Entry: 10 h 54 min
